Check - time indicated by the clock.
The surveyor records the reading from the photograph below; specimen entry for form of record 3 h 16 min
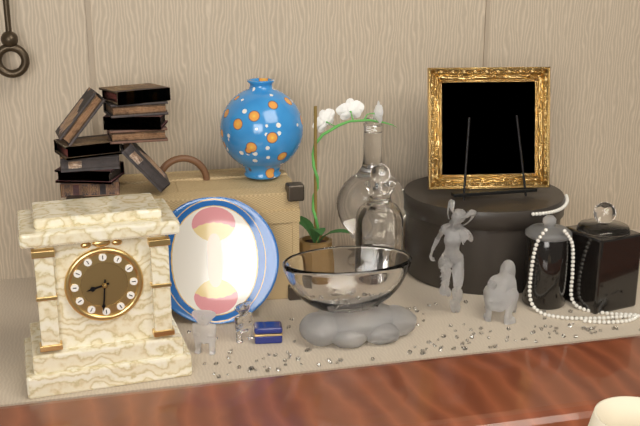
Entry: 8 h 31 min
